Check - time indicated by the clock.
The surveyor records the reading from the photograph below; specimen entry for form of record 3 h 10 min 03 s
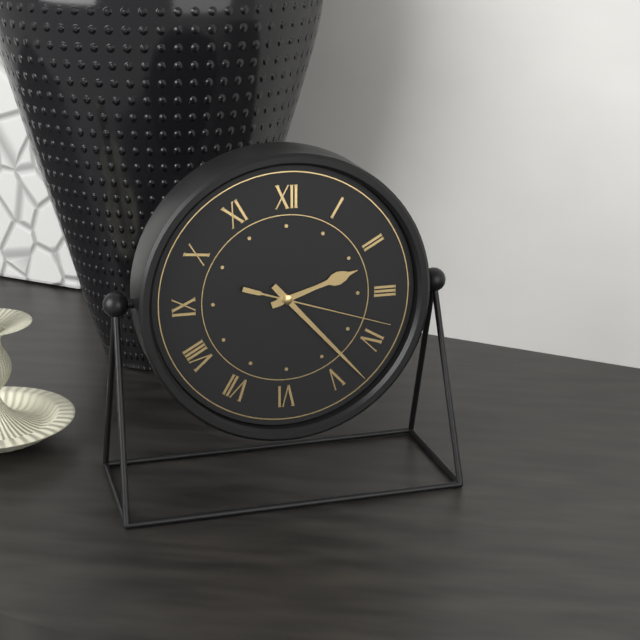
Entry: 2 h 23 min 18 s
